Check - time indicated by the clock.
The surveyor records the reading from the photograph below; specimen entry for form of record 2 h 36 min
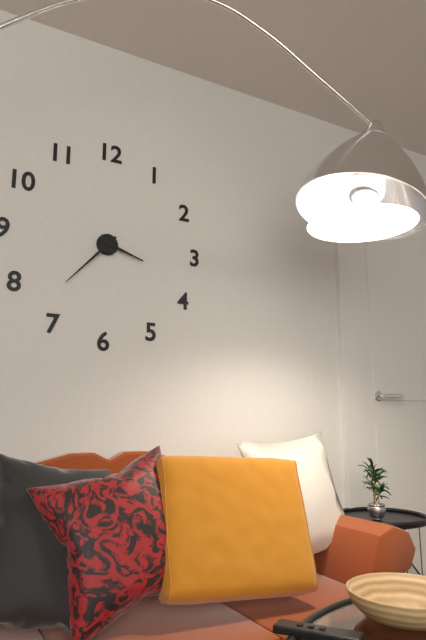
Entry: 3 h 37 min
